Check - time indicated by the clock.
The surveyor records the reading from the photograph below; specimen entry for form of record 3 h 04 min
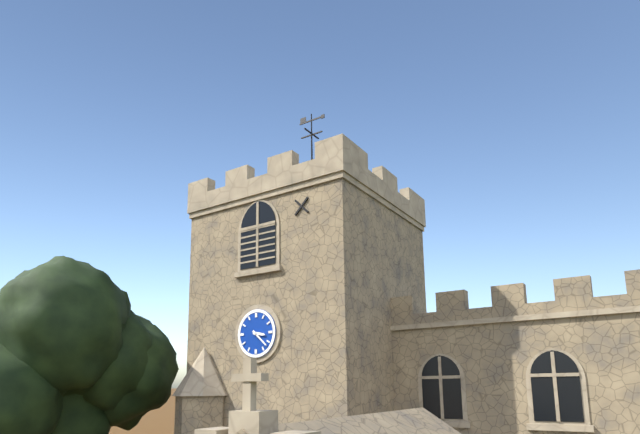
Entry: 3 h 22 min
